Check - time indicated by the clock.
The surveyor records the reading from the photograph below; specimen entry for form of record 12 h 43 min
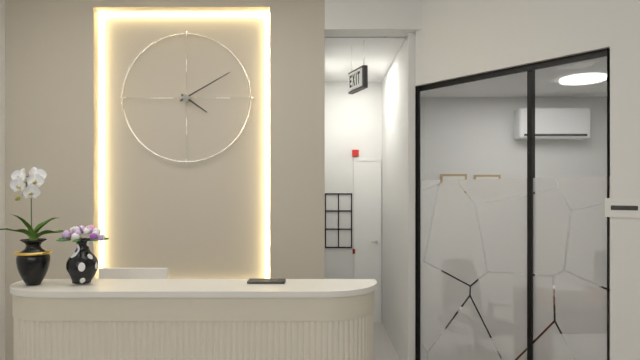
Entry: 4 h 10 min
